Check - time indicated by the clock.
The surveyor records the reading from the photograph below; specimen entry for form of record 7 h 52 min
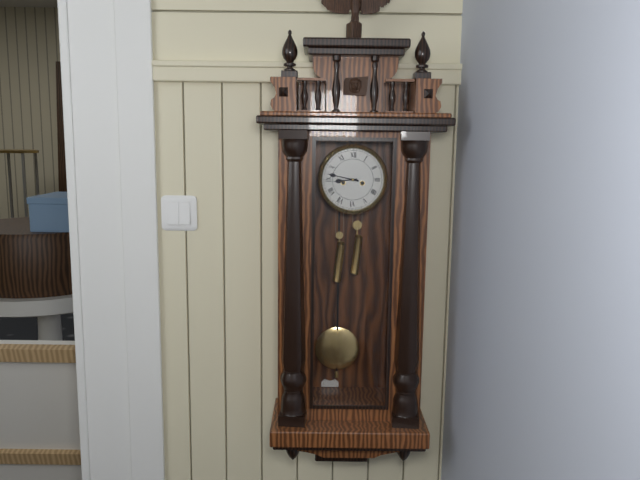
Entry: 8 h 47 min
